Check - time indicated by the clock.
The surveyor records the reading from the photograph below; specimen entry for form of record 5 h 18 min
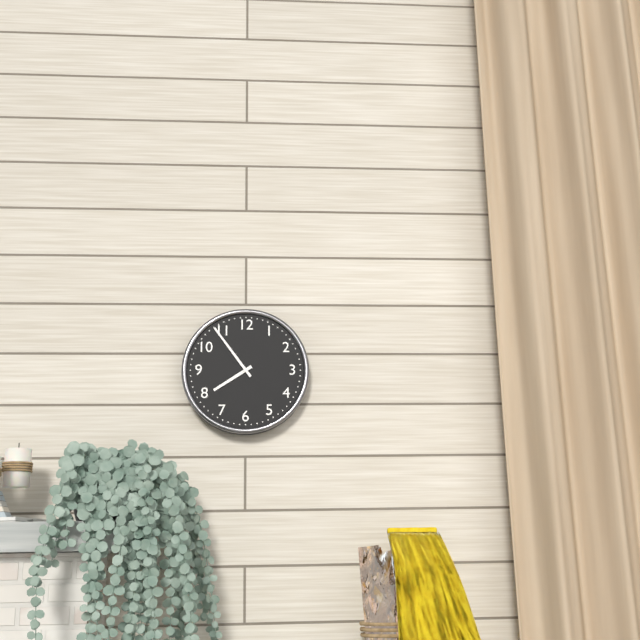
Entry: 7 h 54 min
